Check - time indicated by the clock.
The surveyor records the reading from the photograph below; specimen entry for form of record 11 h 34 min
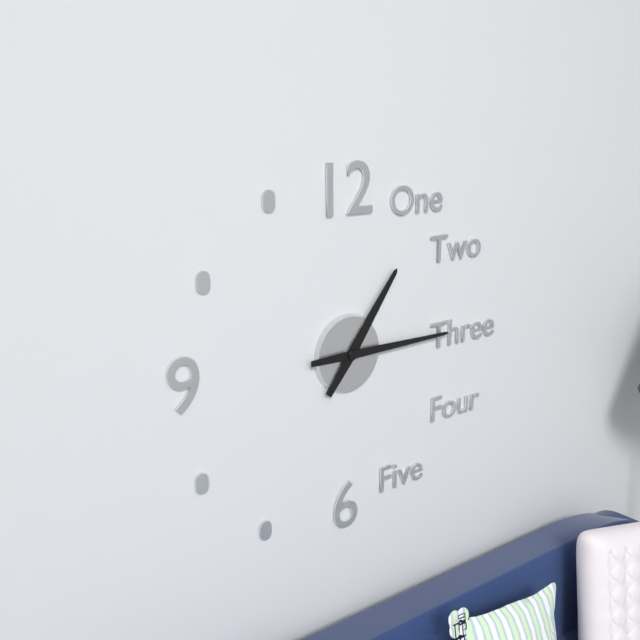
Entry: 1 h 15 min
